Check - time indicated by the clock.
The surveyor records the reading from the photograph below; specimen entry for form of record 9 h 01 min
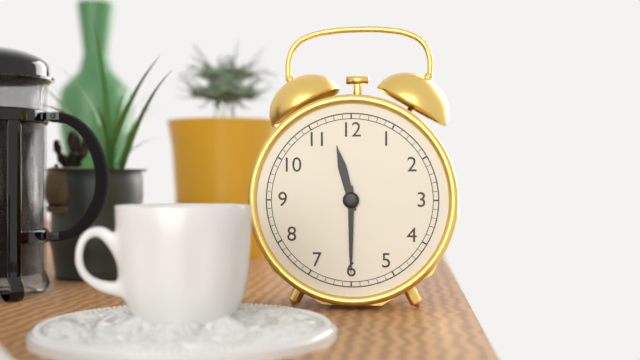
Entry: 11 h 30 min
